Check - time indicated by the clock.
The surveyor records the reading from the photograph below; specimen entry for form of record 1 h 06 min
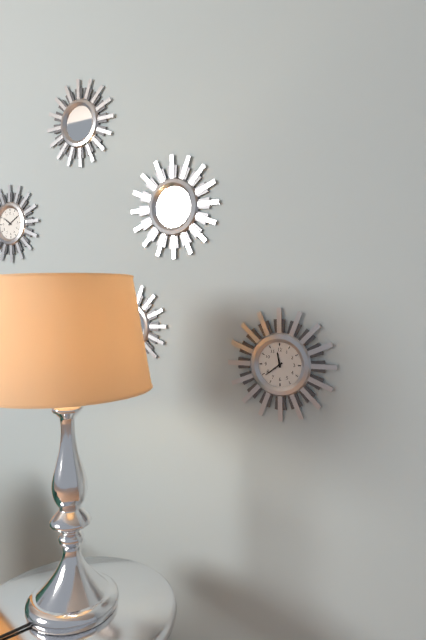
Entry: 11 h 39 min
